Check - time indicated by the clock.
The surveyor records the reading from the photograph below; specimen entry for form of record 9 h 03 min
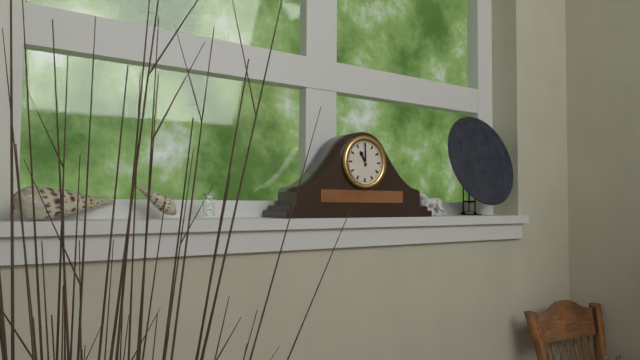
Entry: 11 h 00 min
